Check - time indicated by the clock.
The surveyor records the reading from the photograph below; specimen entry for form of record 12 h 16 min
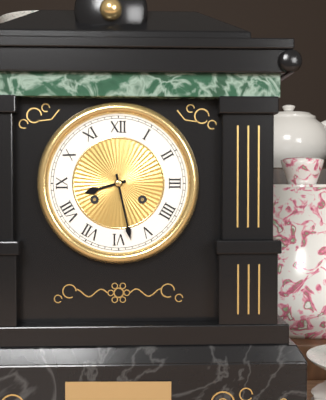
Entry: 8 h 28 min
